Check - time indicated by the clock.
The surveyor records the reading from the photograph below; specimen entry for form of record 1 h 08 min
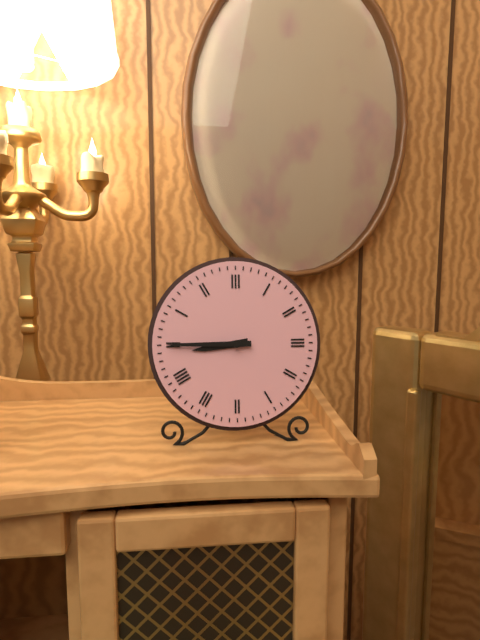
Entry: 8 h 45 min
